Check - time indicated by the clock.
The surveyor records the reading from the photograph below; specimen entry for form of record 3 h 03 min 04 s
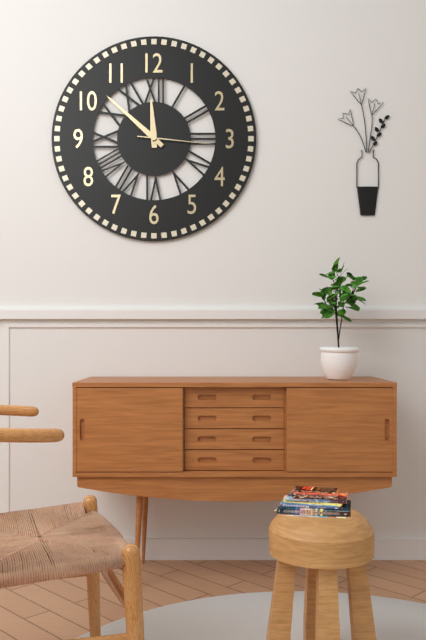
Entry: 11 h 52 min 16 s
